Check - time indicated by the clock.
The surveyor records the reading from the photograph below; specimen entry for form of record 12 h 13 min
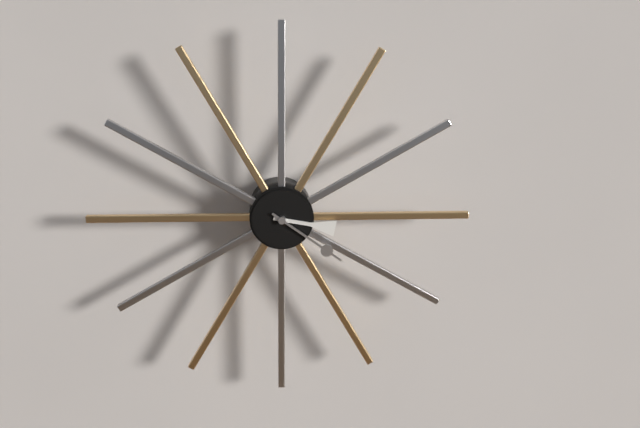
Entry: 3 h 21 min
